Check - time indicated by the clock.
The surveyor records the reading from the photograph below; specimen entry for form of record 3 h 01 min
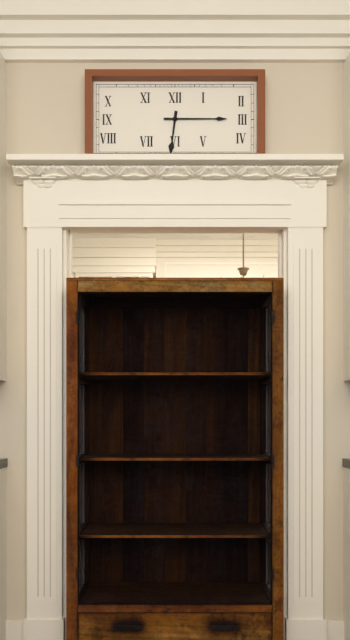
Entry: 6 h 15 min
